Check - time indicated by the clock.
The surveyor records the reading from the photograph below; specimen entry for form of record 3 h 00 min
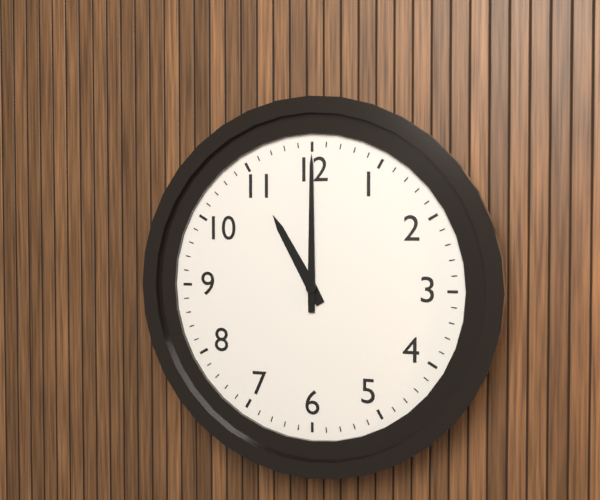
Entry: 11 h 00 min
